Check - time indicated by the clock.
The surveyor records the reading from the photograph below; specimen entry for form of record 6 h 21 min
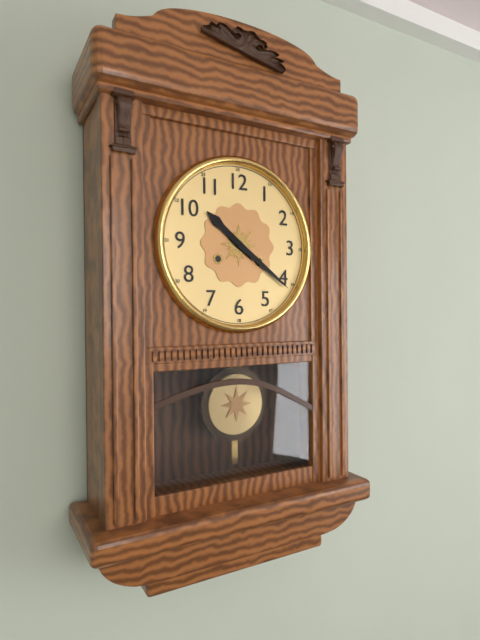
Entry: 10 h 21 min
